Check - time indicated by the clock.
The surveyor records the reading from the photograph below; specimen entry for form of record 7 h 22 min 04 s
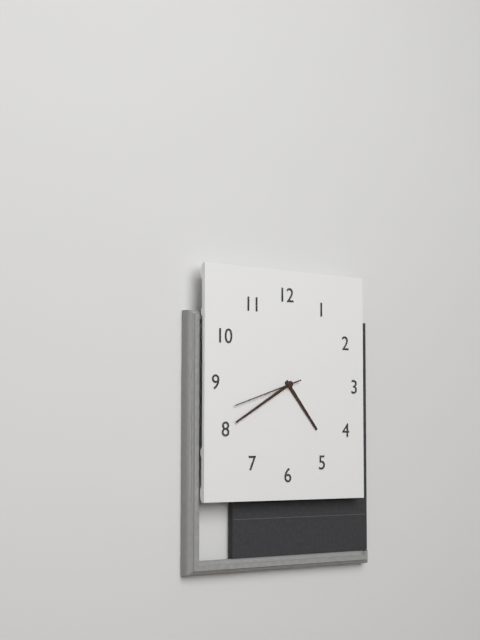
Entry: 4 h 40 min 42 s
